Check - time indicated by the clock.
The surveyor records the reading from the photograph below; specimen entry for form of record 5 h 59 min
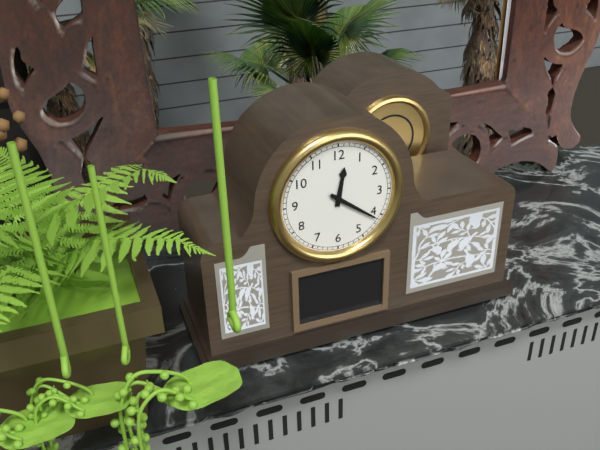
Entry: 12 h 21 min
